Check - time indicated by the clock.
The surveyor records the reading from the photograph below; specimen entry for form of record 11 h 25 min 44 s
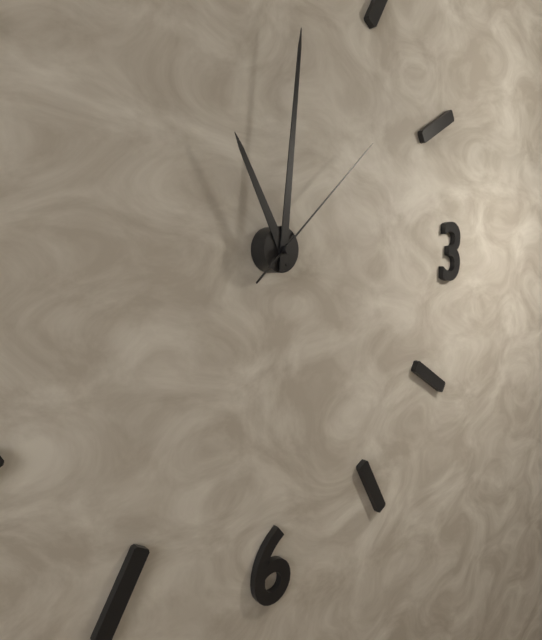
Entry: 11 h 01 min 08 s
